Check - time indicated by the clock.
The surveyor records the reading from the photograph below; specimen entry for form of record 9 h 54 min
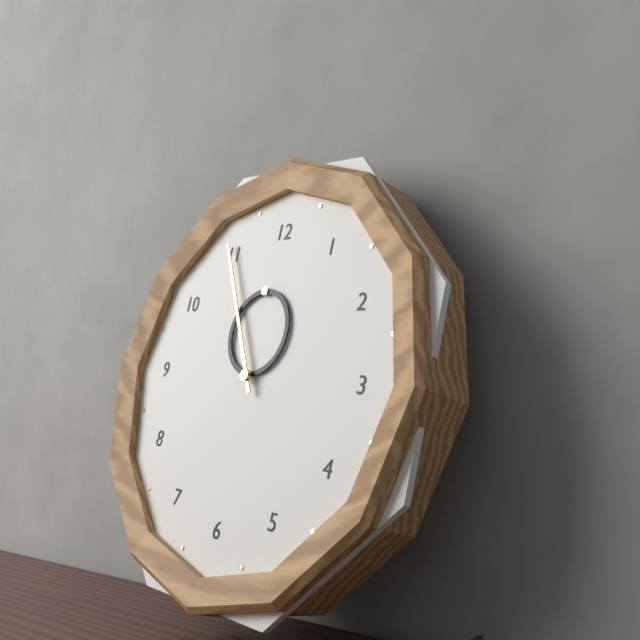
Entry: 11 h 55 min
